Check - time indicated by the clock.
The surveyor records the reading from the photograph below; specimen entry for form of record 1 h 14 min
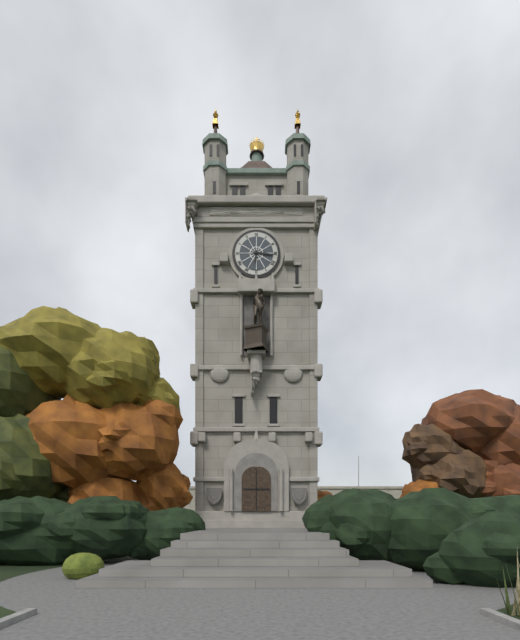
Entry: 6 h 16 min
